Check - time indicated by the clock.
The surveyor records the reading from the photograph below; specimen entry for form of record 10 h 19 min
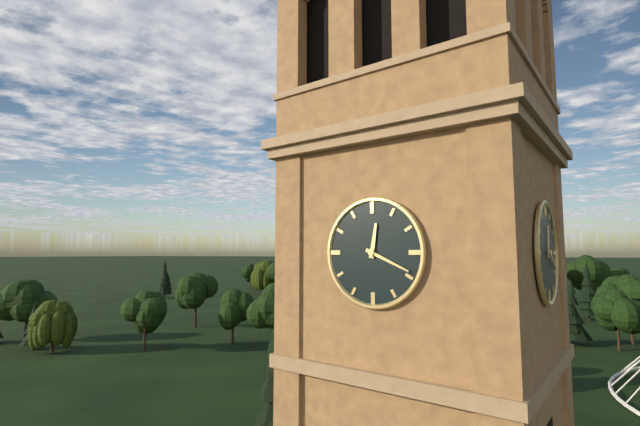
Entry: 12 h 19 min
